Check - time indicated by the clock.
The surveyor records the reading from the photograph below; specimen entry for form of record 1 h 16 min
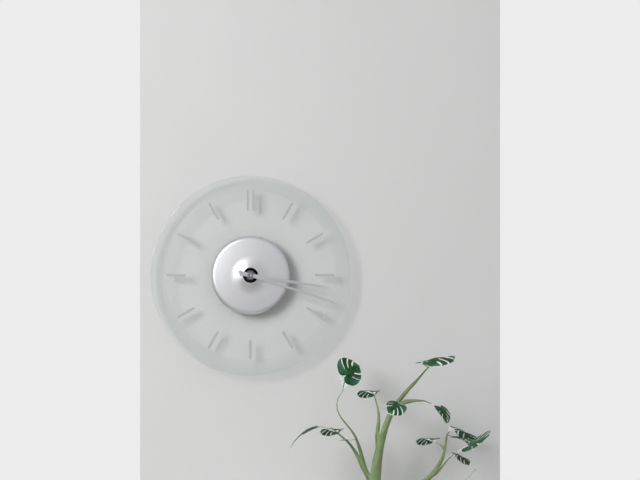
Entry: 3 h 18 min
